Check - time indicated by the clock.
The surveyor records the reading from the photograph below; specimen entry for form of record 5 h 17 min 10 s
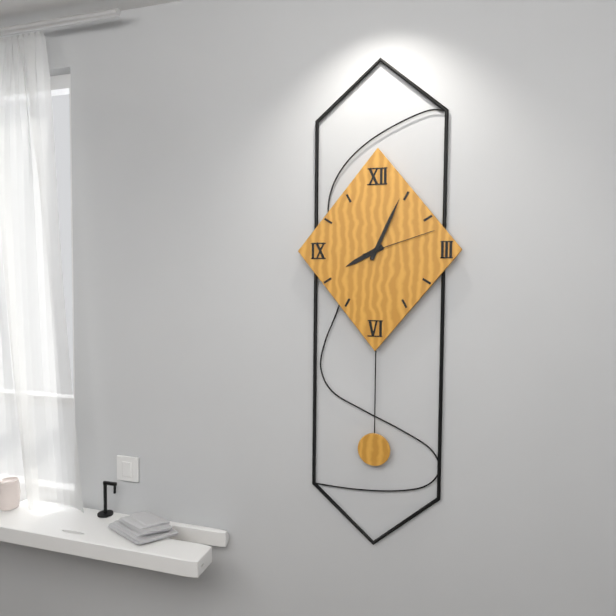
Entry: 8 h 04 min 12 s
